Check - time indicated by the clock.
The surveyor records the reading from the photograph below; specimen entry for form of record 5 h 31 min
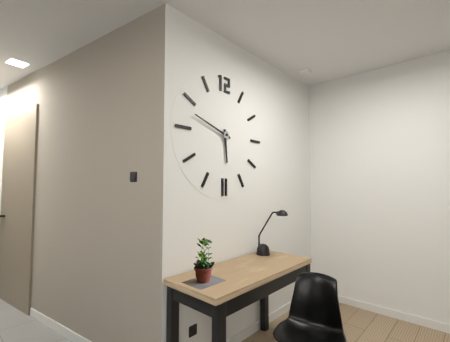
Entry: 5 h 48 min
